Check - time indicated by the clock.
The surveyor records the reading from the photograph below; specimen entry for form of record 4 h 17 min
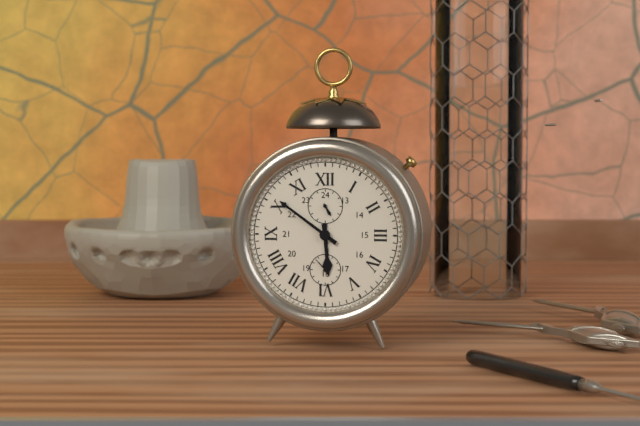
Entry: 5 h 51 min
